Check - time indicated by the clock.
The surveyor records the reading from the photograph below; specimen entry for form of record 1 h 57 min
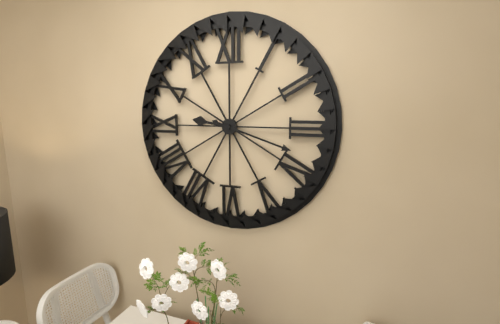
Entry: 9 h 18 min
